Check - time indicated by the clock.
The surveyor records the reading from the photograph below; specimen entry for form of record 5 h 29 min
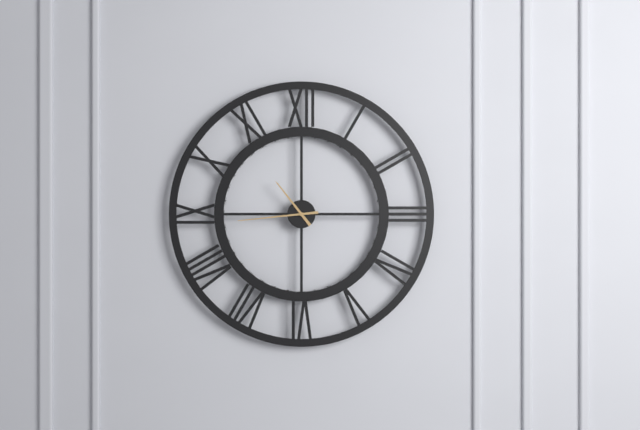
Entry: 10 h 44 min
